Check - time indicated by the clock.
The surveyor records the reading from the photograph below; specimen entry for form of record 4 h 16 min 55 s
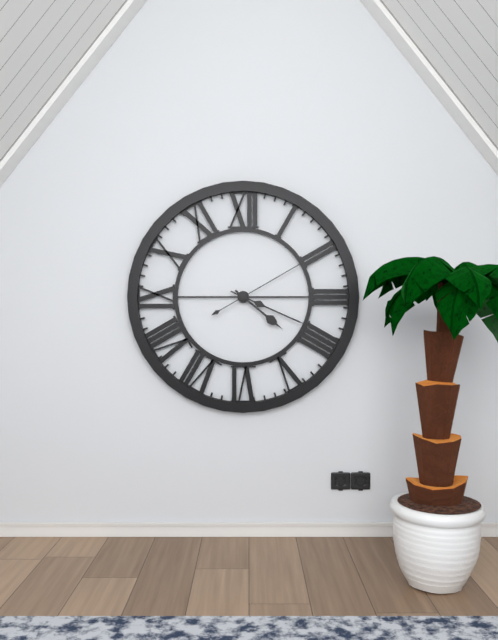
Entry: 4 h 19 min 10 s
